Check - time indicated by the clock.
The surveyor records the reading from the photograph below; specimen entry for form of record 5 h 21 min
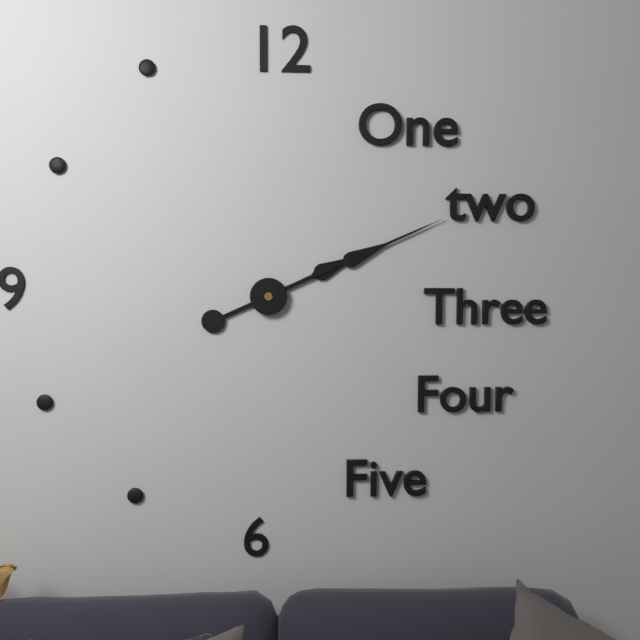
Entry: 2 h 11 min
